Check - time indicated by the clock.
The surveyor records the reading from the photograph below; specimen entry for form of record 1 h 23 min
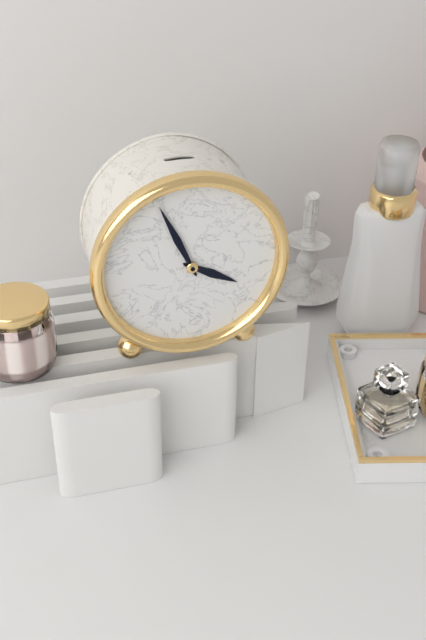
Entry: 3 h 56 min
